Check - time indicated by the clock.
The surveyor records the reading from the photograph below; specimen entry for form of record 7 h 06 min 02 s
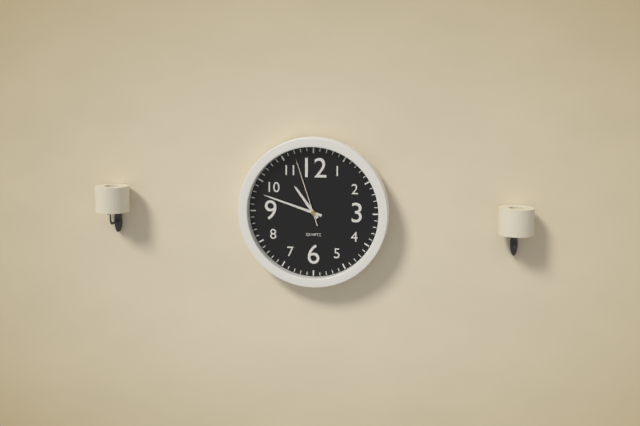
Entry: 10 h 48 min 57 s
